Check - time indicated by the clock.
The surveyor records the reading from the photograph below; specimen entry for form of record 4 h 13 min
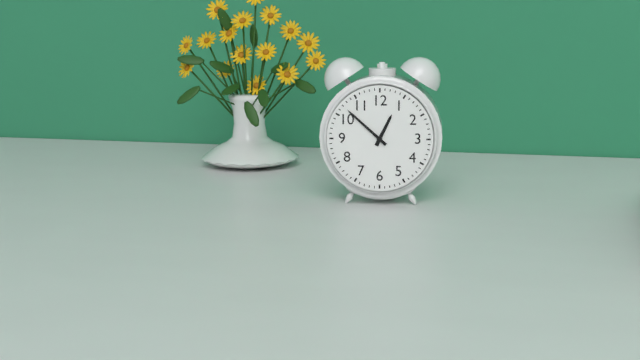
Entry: 12 h 52 min
